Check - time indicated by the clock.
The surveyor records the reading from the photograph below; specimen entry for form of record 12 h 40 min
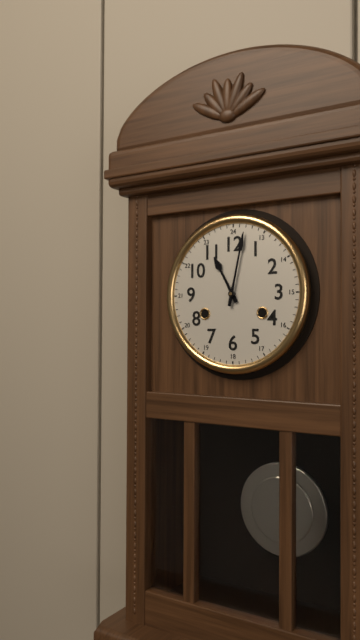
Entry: 11 h 02 min
